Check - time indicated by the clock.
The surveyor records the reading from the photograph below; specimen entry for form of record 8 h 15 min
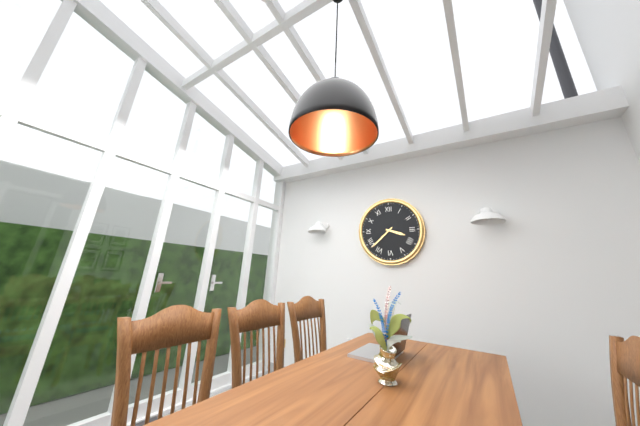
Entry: 3 h 38 min
